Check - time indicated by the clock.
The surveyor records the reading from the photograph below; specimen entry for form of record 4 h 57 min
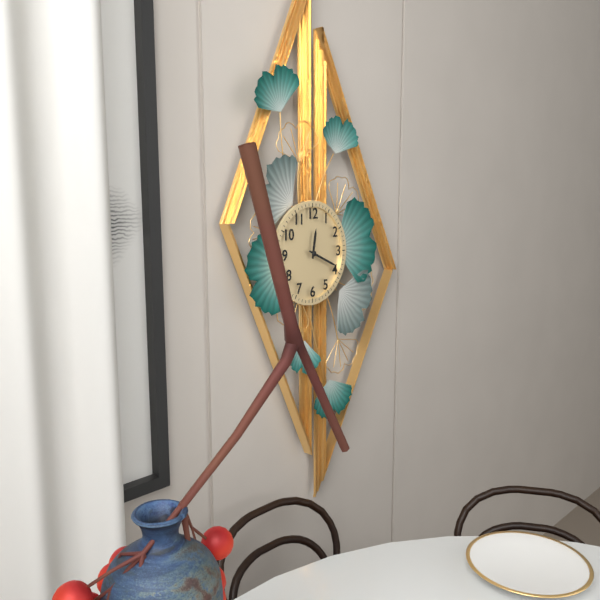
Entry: 12 h 19 min
